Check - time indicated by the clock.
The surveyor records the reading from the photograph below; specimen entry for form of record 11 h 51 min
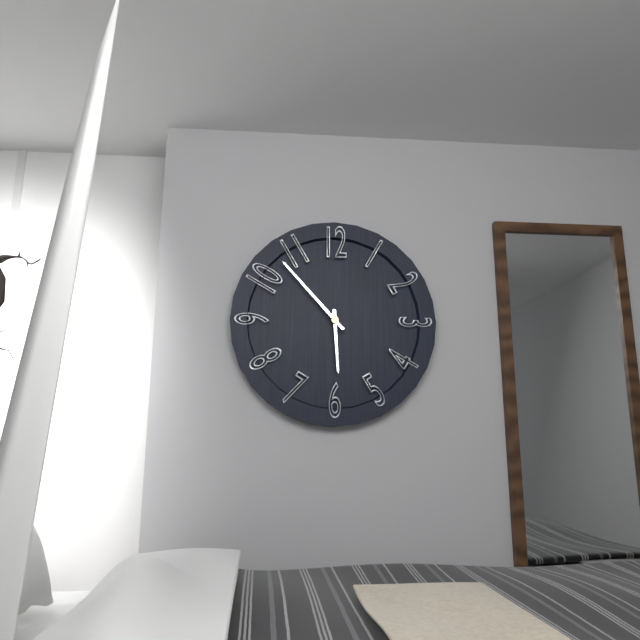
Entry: 5 h 53 min
